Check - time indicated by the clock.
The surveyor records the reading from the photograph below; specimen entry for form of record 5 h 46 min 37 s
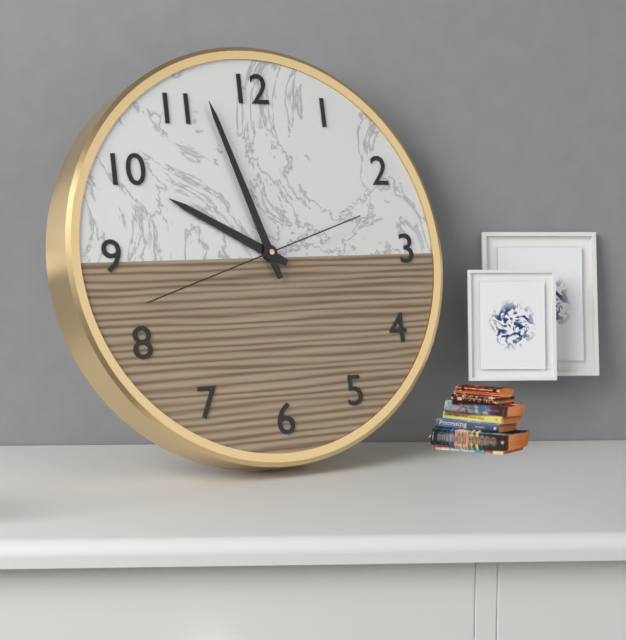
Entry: 9 h 57 min 42 s
